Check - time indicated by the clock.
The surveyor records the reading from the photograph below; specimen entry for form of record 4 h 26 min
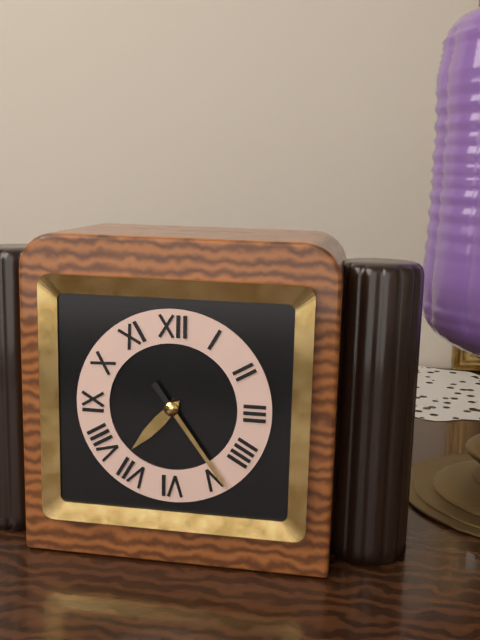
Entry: 7 h 24 min
